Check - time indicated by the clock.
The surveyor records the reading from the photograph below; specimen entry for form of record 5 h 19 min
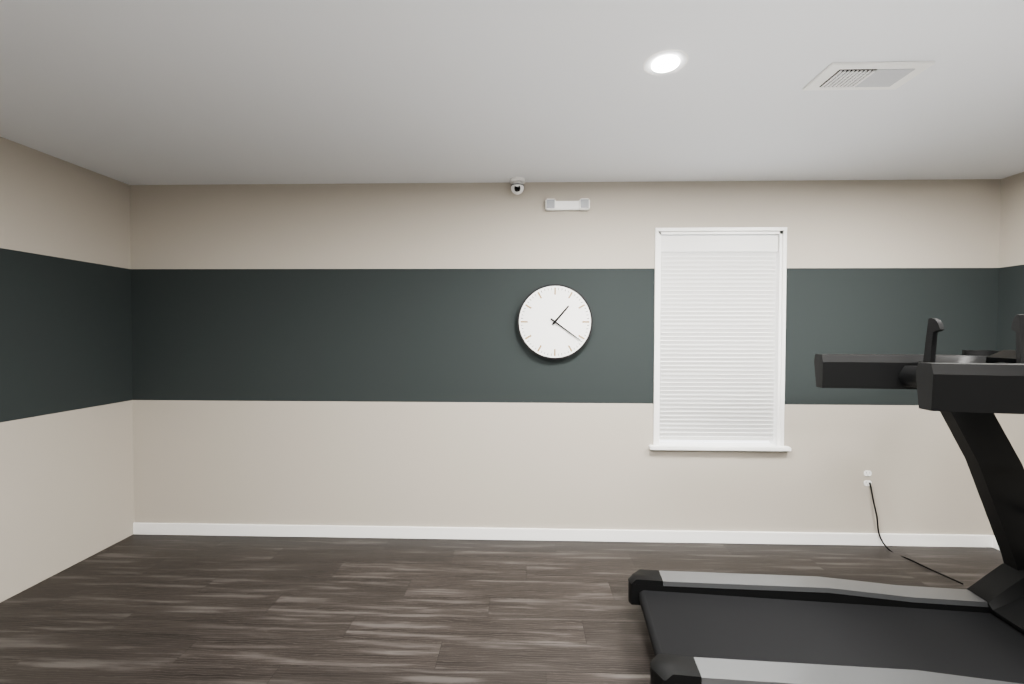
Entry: 1 h 21 min
